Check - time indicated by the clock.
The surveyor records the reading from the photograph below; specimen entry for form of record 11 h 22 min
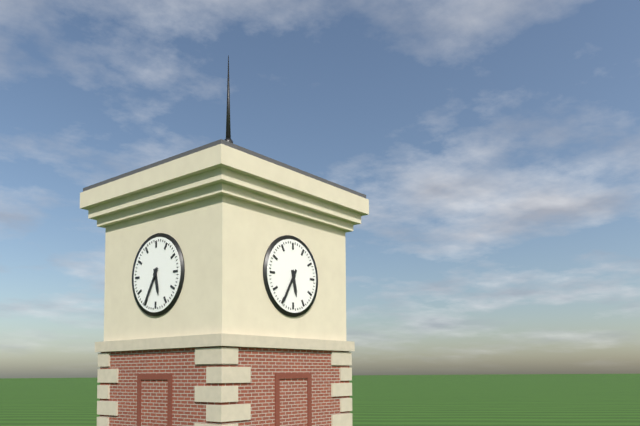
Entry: 5 h 35 min
